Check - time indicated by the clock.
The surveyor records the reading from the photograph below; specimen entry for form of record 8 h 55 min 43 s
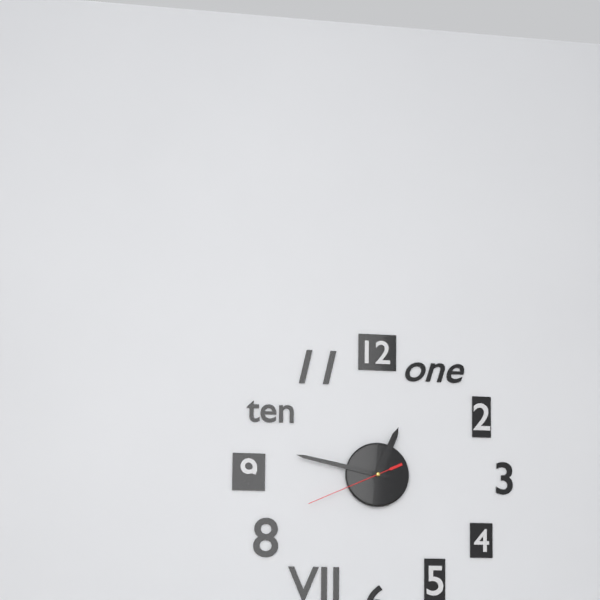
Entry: 12 h 47 min 41 s
